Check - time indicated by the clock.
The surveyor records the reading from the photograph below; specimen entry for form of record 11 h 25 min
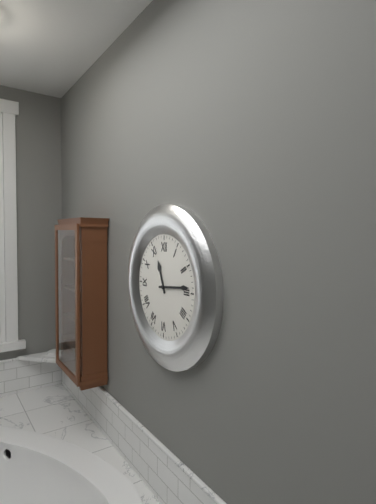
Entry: 11 h 14 min
